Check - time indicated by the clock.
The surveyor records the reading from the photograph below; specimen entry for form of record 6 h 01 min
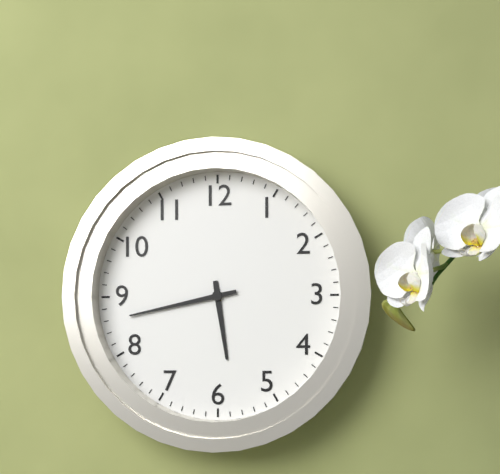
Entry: 5 h 43 min
